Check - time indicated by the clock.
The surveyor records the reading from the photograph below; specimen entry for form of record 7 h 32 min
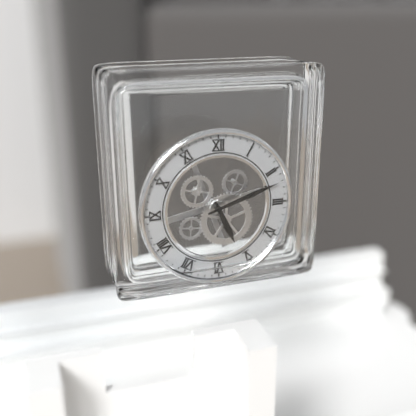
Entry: 5 h 12 min
